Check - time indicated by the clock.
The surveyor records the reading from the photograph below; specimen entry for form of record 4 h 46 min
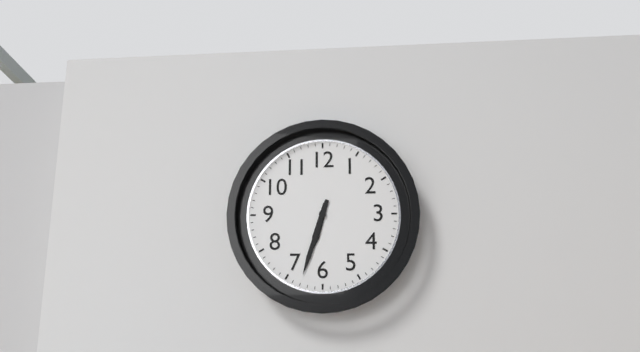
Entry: 6 h 33 min
